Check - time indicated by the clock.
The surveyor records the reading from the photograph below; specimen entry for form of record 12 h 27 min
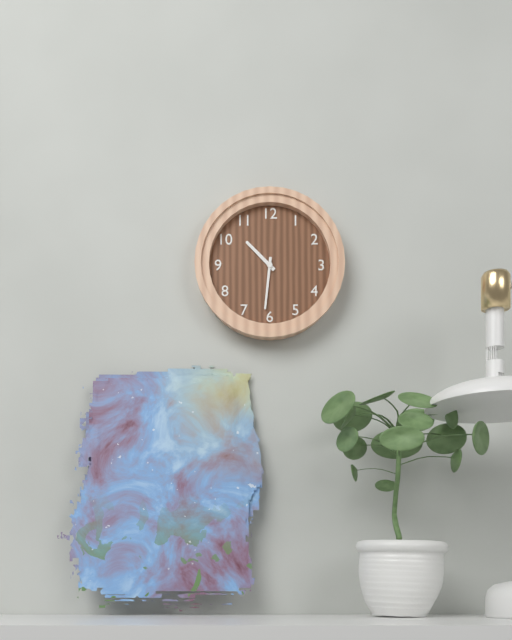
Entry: 10 h 31 min
